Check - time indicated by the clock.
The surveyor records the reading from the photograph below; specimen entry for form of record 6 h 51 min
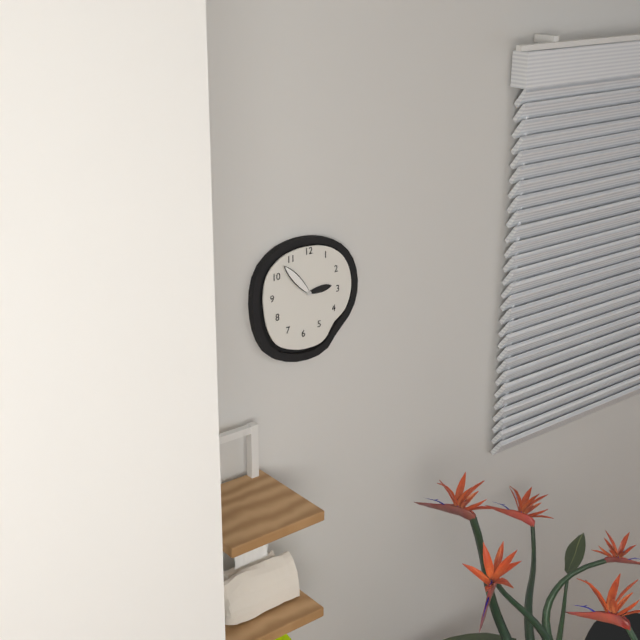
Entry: 2 h 53 min
